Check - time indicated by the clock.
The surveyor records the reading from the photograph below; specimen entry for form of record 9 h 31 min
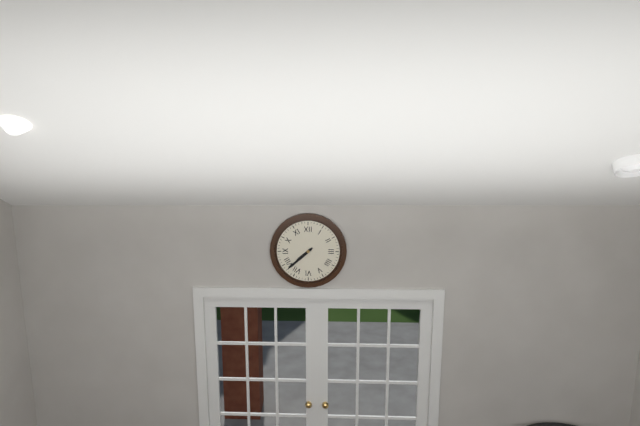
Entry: 7 h 38 min
